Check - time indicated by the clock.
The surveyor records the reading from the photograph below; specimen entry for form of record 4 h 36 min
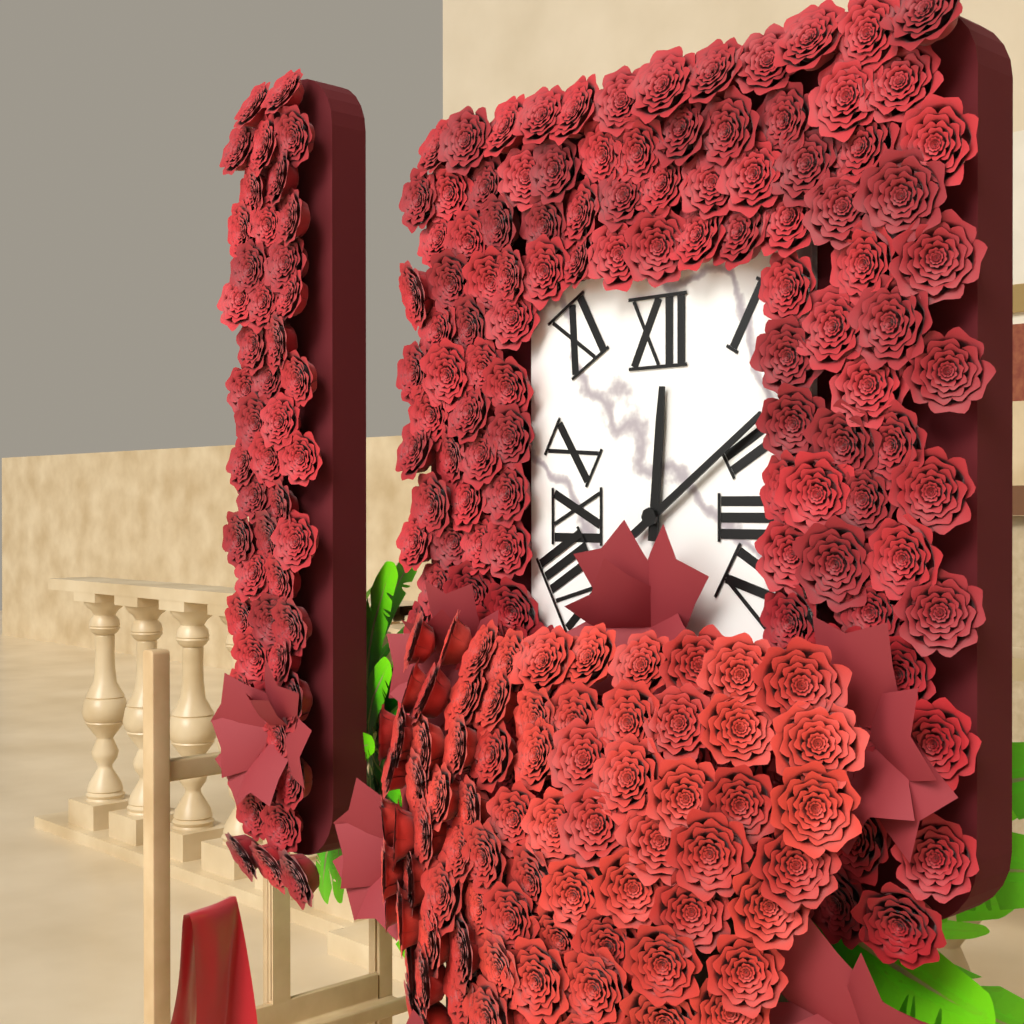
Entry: 12 h 09 min
